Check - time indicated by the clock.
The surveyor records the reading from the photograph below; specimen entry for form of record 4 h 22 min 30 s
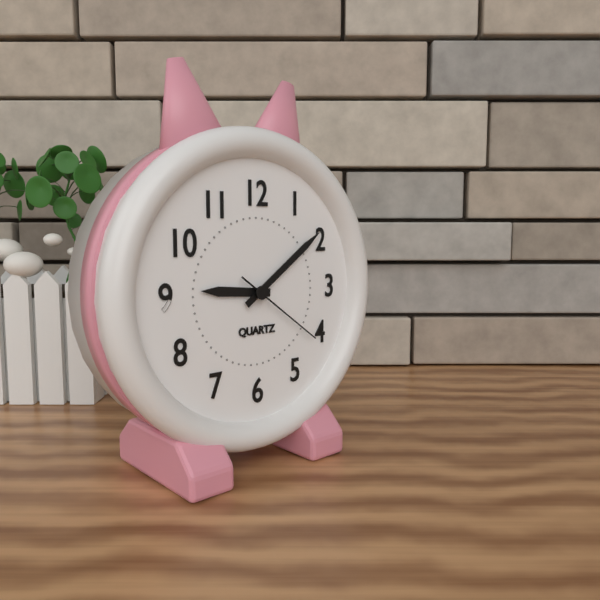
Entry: 9 h 09 min 21 s
